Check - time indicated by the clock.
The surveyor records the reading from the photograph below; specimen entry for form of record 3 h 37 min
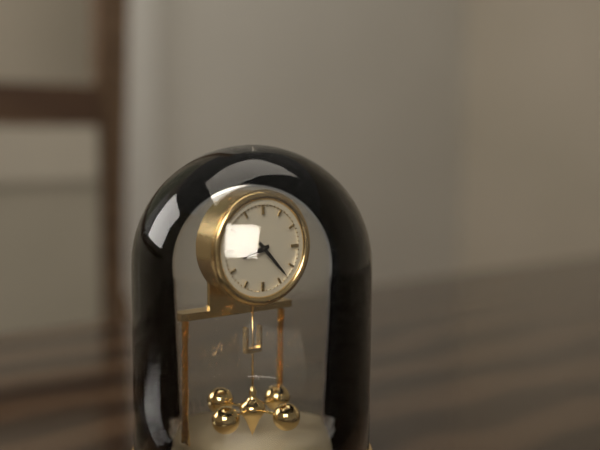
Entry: 8 h 23 min
